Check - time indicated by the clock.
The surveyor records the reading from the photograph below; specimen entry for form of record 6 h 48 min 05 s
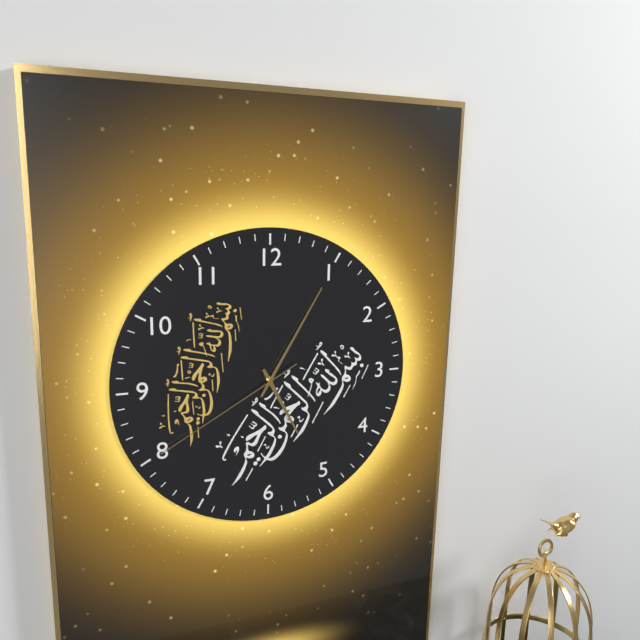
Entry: 5 h 05 min 40 s
